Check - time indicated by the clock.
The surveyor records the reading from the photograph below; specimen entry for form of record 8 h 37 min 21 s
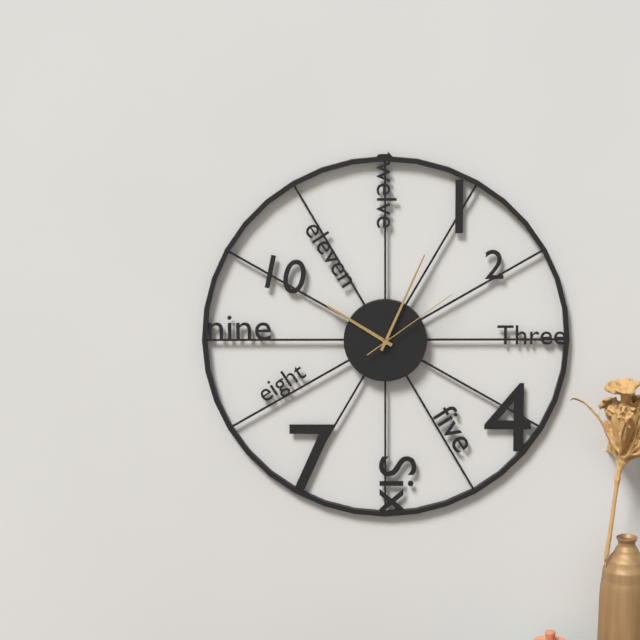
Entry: 10 h 04 min 09 s
